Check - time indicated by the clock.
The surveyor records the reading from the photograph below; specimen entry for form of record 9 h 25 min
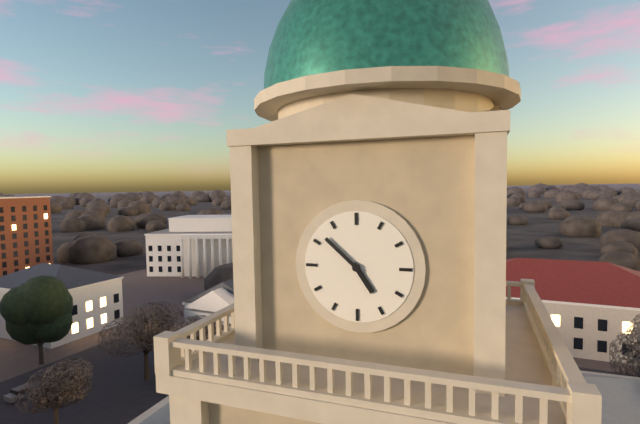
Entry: 4 h 52 min
